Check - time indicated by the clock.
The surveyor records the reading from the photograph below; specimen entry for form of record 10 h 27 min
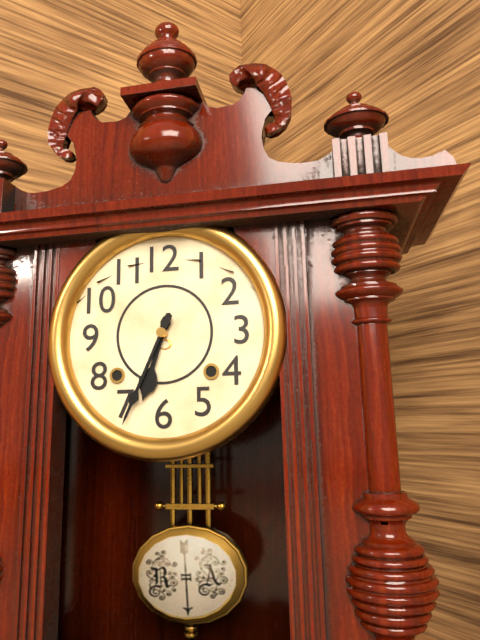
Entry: 6 h 34 min
